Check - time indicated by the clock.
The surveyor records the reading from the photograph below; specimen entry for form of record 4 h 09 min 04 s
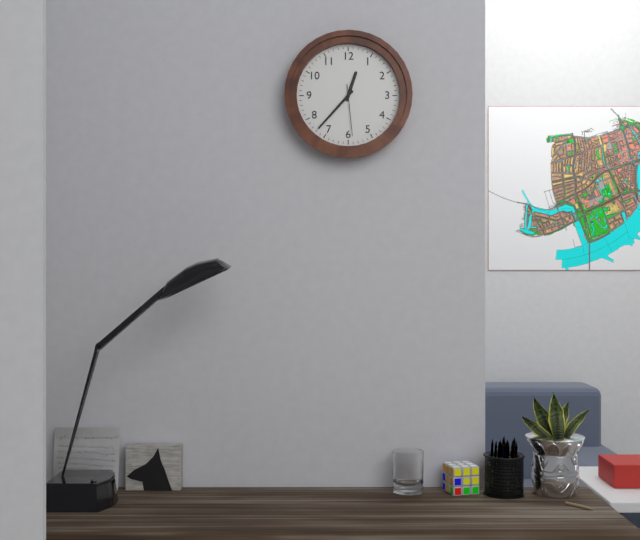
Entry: 12 h 37 min 29 s
